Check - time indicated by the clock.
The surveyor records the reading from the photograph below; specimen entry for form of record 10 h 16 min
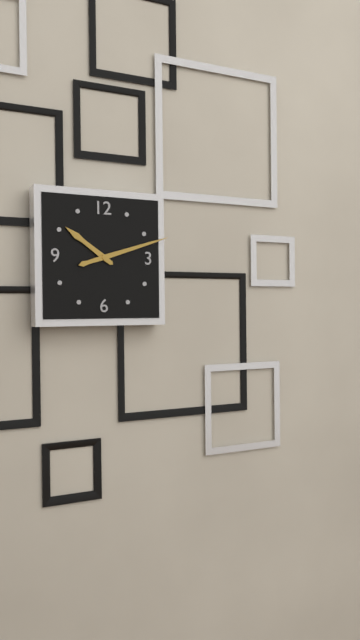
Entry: 10 h 12 min
